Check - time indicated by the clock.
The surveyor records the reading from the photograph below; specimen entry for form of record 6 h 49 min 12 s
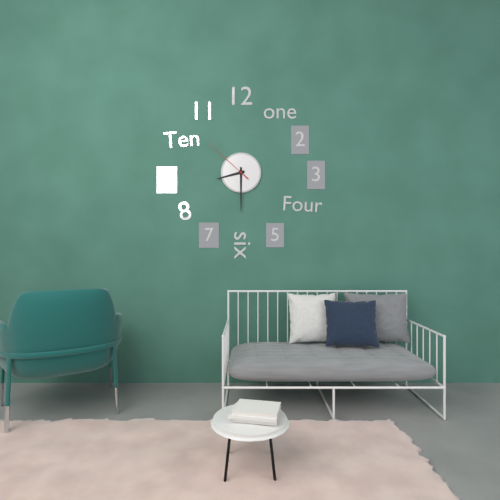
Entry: 8 h 30 min 52 s
